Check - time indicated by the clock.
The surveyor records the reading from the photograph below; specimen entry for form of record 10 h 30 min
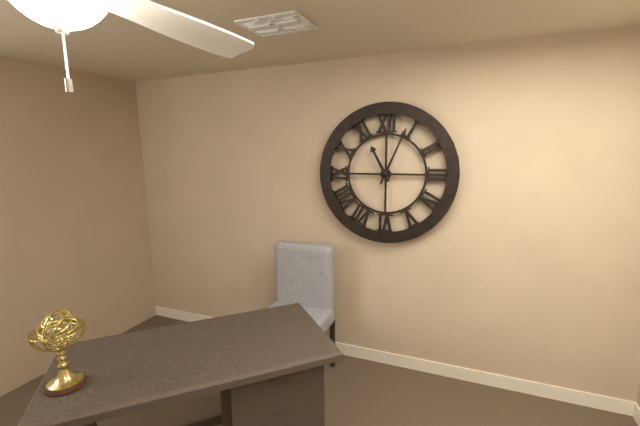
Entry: 11 h 04 min
